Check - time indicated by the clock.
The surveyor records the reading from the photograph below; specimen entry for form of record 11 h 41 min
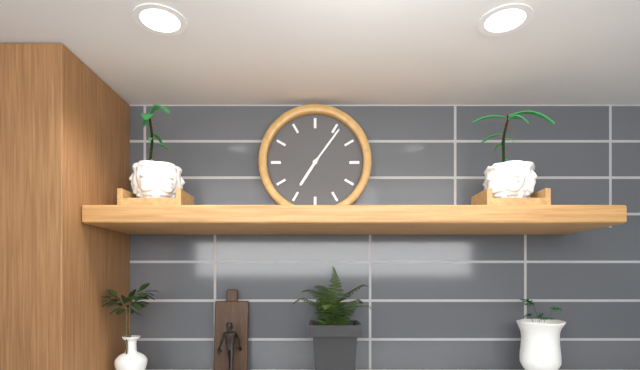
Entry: 7 h 06 min
